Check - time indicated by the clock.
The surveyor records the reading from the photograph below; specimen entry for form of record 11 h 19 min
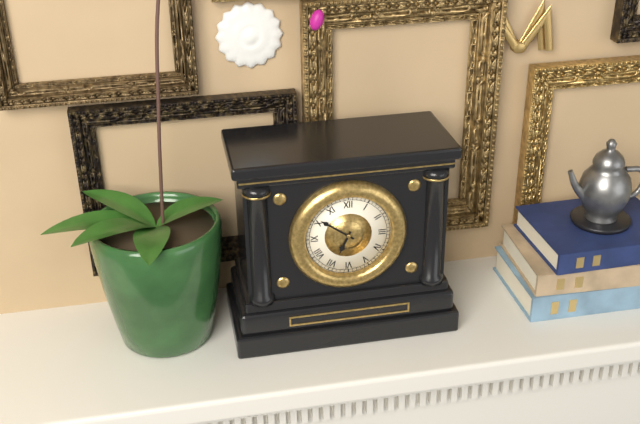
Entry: 6 h 51 min
